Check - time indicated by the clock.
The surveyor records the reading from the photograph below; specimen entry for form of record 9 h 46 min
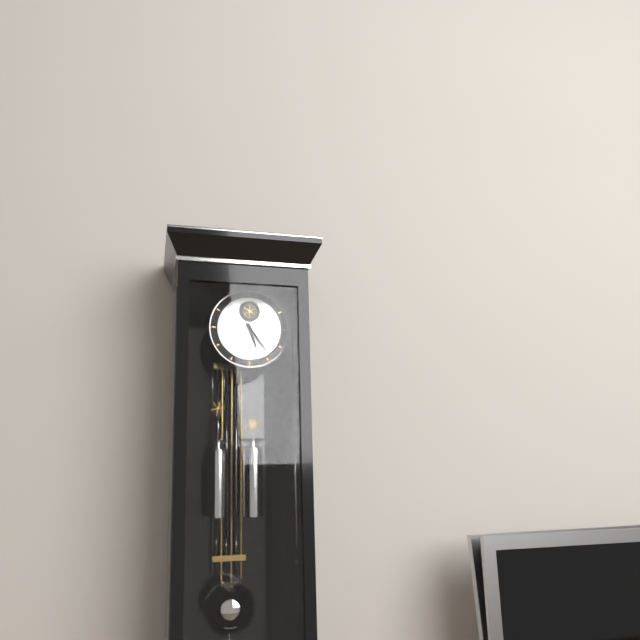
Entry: 5 h 24 min
